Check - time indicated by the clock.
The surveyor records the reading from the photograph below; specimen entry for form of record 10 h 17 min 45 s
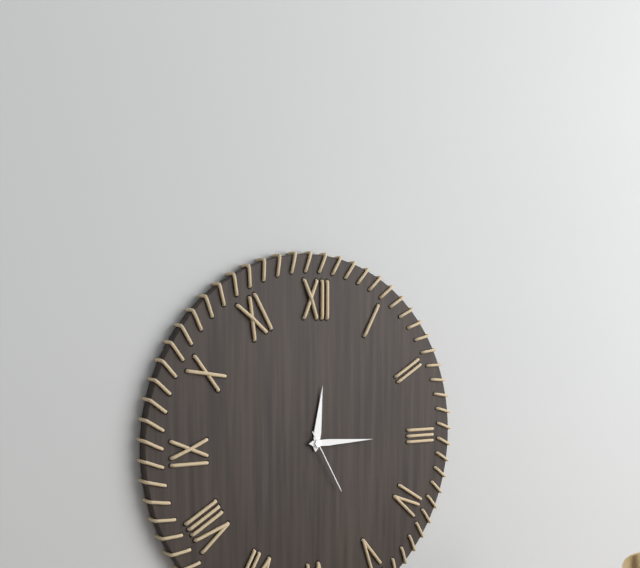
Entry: 12 h 15 min 25 s
